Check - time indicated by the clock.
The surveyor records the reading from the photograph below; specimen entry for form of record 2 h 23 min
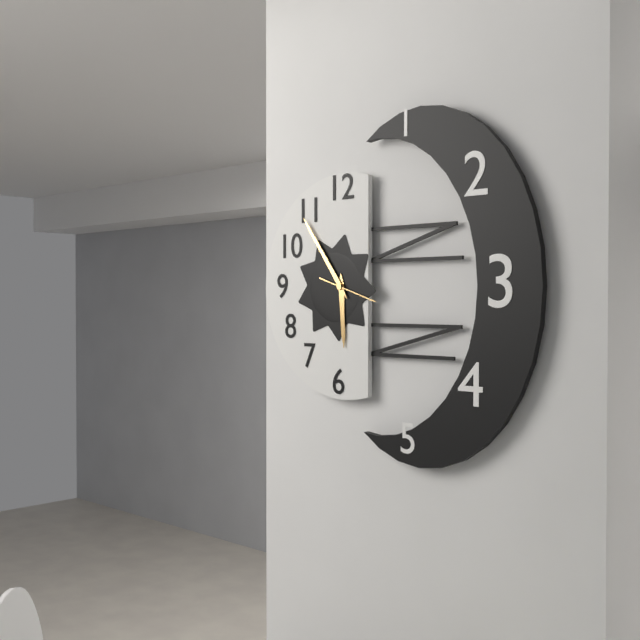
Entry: 5 h 54 min
